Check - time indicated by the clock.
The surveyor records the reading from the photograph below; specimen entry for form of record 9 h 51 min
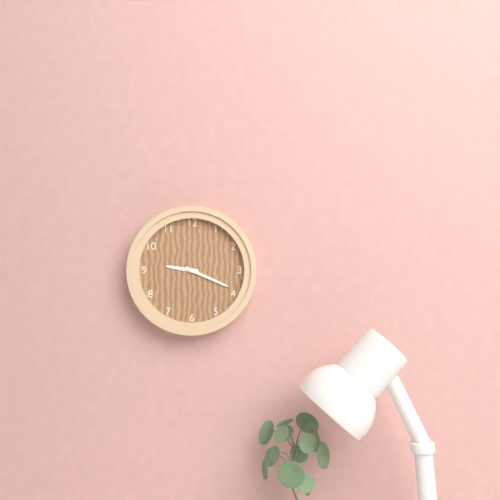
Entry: 9 h 19 min
